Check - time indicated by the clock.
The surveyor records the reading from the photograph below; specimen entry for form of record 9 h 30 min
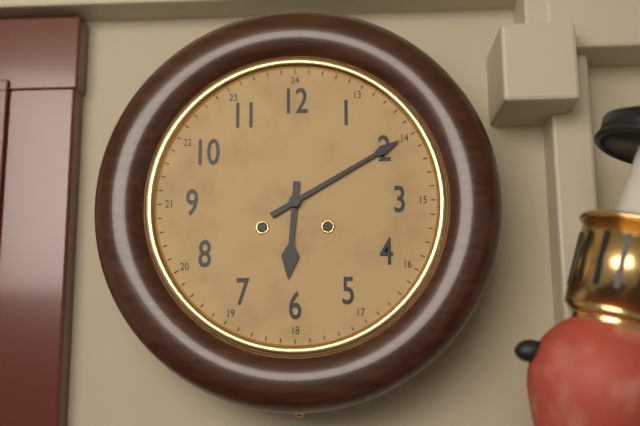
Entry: 6 h 10 min
